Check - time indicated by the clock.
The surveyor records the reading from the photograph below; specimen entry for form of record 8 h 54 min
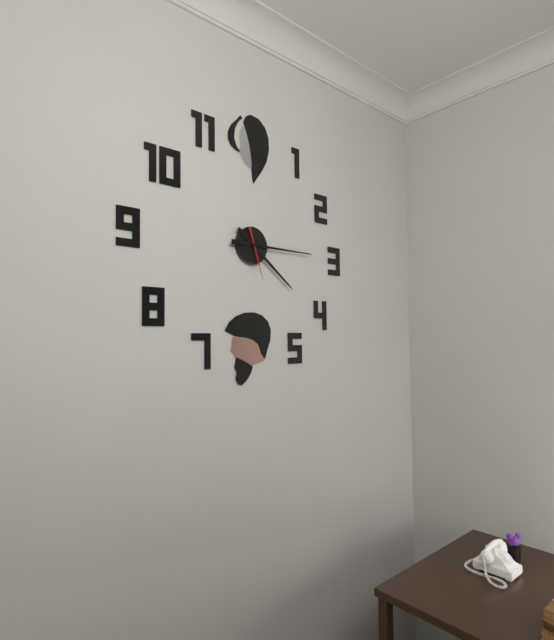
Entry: 4 h 15 min
